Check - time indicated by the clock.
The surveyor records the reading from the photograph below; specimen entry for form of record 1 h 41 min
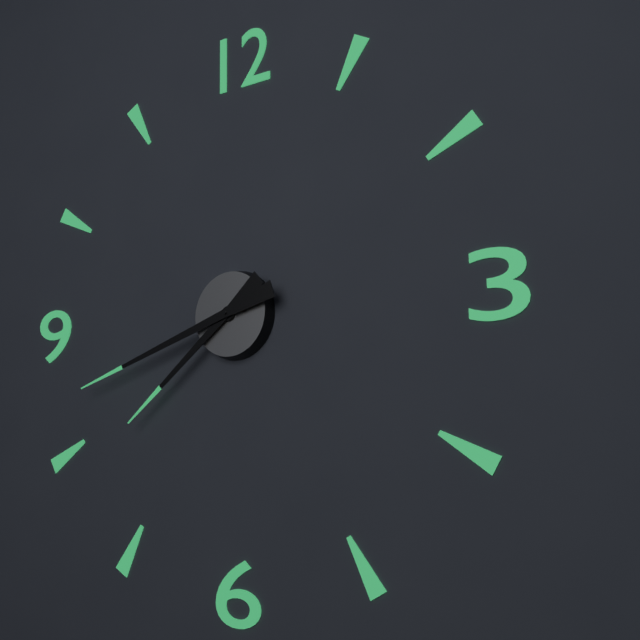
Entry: 7 h 42 min
